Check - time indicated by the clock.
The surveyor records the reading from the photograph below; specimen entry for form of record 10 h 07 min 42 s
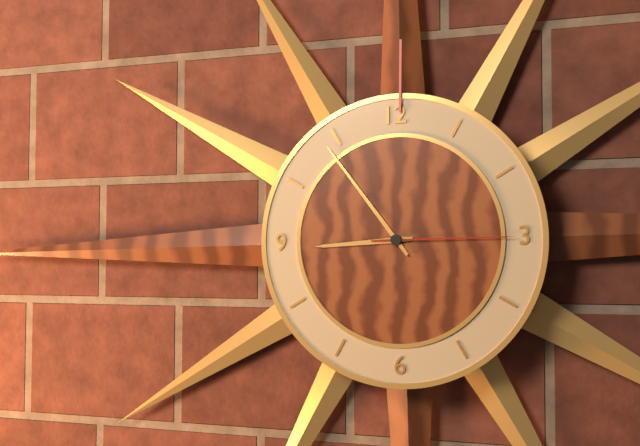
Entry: 8 h 54 min 15 s
